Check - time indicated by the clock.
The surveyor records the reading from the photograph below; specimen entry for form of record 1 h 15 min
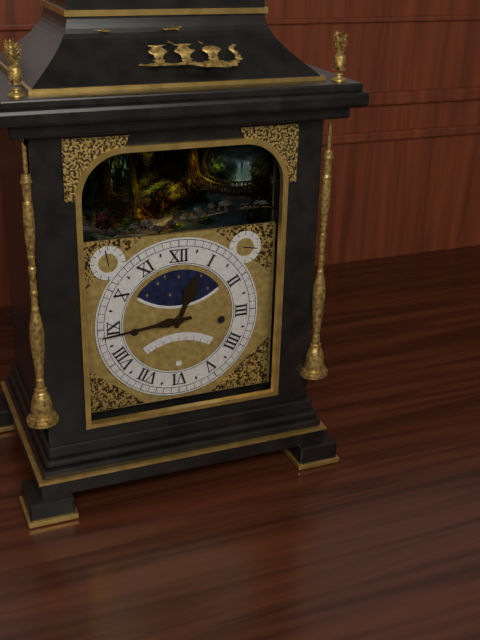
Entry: 12 h 44 min
